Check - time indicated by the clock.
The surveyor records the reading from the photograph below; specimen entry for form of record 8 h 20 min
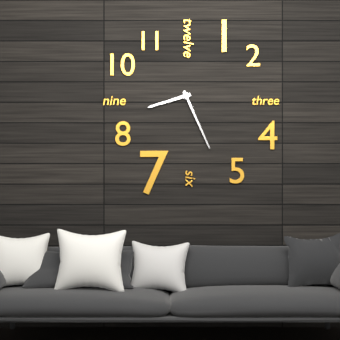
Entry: 8 h 26 min
